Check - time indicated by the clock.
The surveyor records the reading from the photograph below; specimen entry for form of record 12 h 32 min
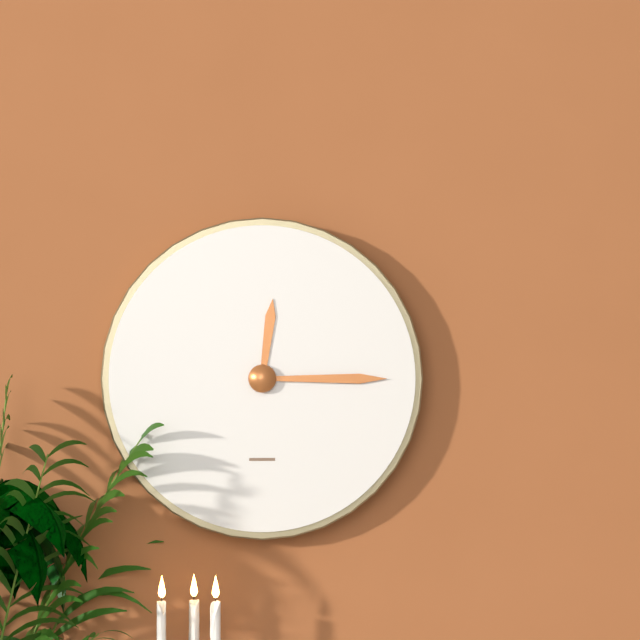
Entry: 12 h 15 min
